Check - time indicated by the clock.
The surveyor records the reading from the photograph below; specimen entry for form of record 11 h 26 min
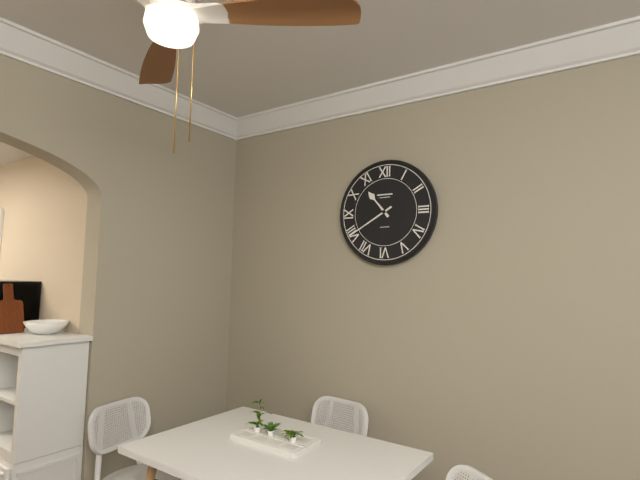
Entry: 10 h 40 min
